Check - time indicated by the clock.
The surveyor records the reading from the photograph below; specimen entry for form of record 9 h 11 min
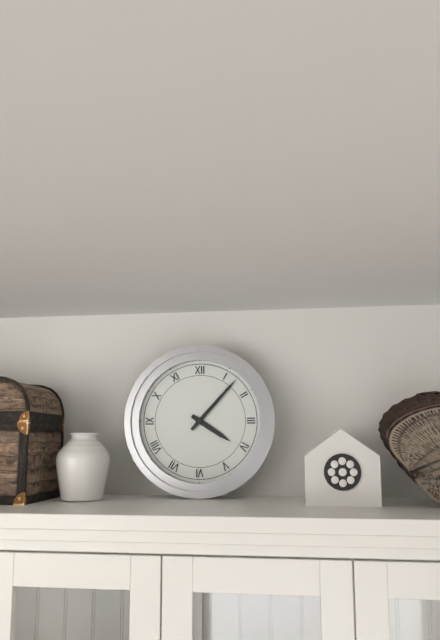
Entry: 4 h 07 min
